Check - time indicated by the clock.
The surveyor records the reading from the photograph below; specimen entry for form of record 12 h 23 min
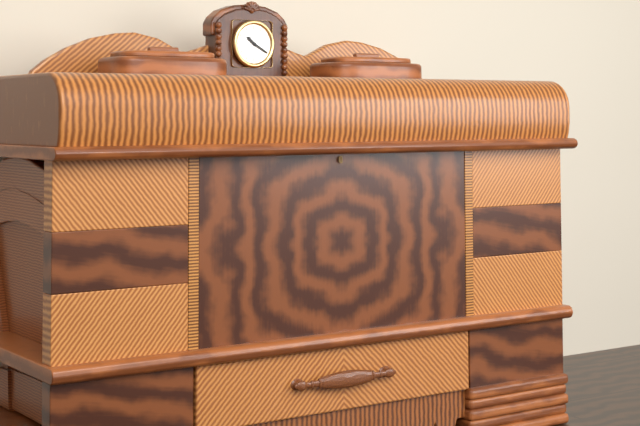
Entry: 10 h 20 min
